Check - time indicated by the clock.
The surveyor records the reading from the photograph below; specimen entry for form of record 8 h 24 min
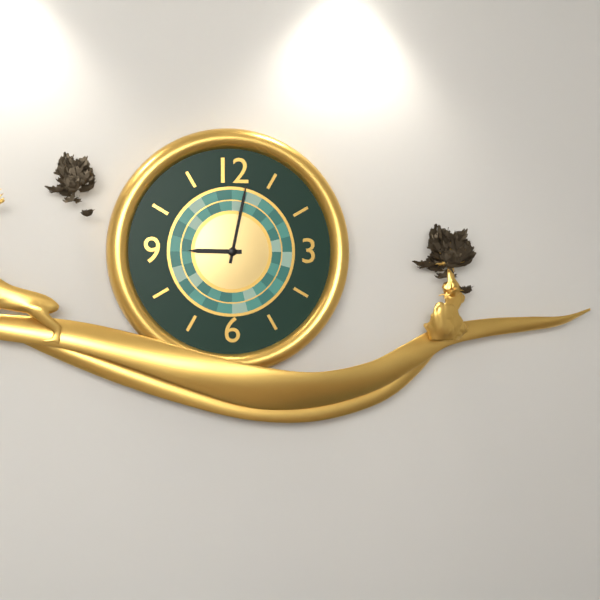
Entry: 9 h 02 min
